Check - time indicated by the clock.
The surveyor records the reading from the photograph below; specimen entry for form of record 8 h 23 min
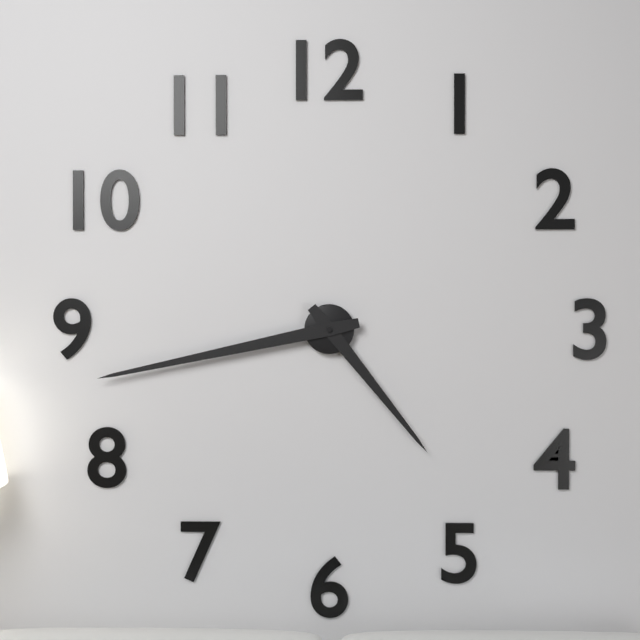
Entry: 4 h 43 min
